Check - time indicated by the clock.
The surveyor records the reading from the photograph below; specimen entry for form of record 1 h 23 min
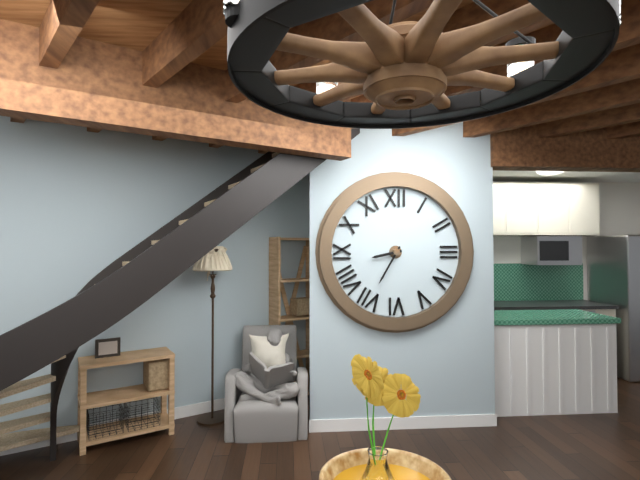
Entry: 8 h 35 min
